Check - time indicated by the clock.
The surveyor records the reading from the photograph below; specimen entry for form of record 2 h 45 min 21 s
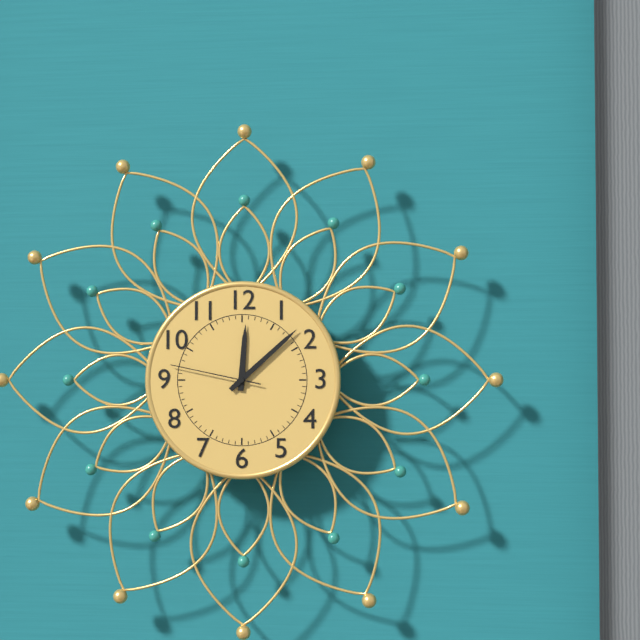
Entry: 12 h 08 min 47 s
